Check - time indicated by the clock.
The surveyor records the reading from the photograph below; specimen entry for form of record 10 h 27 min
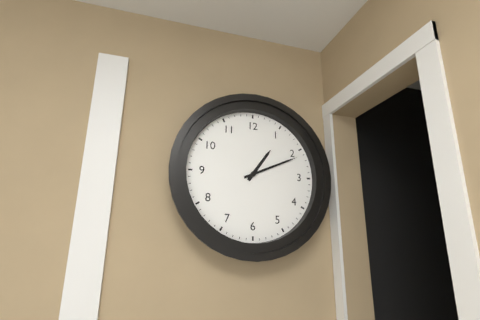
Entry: 1 h 11 min
